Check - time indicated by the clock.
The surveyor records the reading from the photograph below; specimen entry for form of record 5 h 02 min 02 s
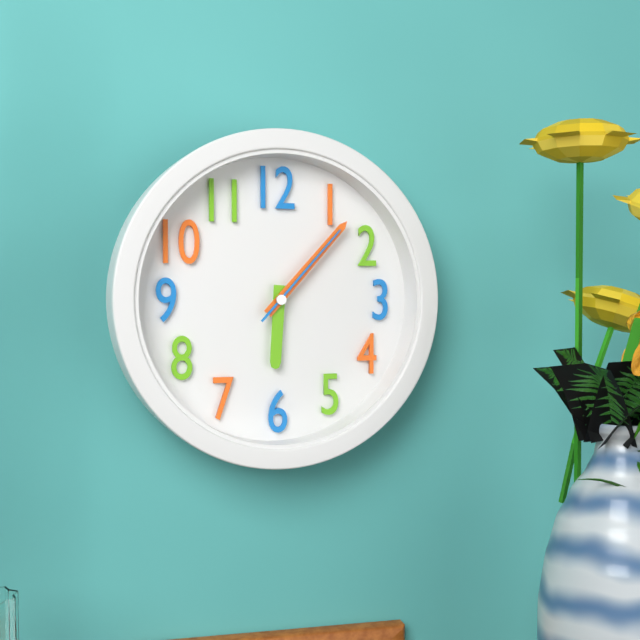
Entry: 6 h 07 min 07 s
